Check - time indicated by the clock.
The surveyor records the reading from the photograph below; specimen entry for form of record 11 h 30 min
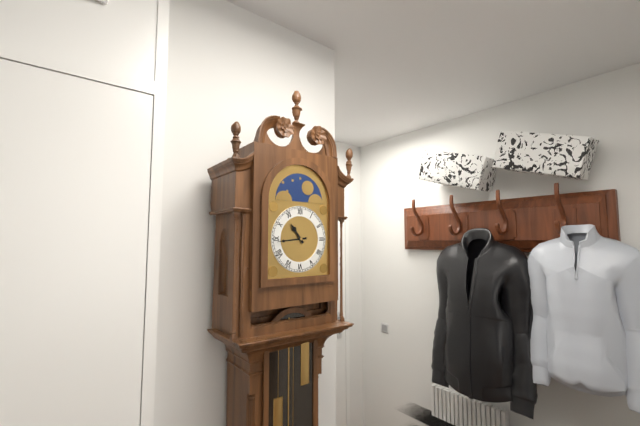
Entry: 10 h 44 min
